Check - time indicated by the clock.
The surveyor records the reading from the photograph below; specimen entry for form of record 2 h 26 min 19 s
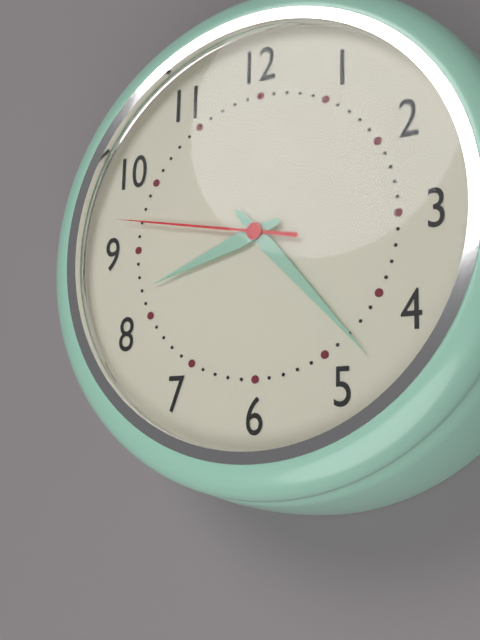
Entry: 8 h 23 min 47 s
